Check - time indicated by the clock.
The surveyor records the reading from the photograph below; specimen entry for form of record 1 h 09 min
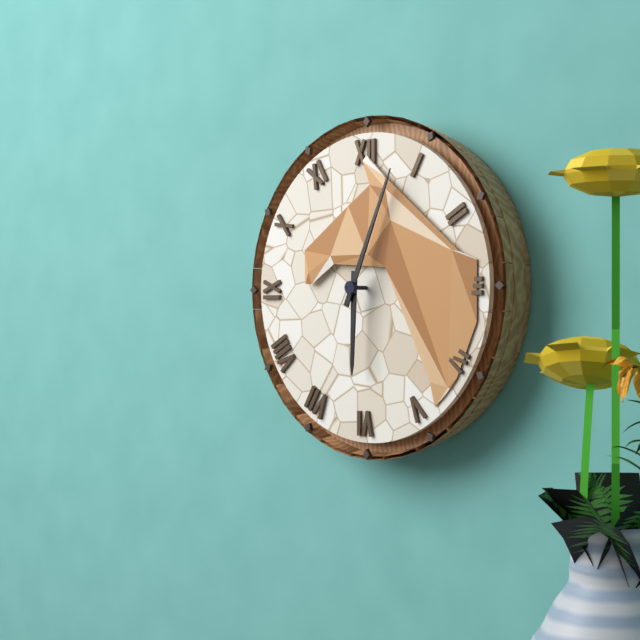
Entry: 6 h 04 min
